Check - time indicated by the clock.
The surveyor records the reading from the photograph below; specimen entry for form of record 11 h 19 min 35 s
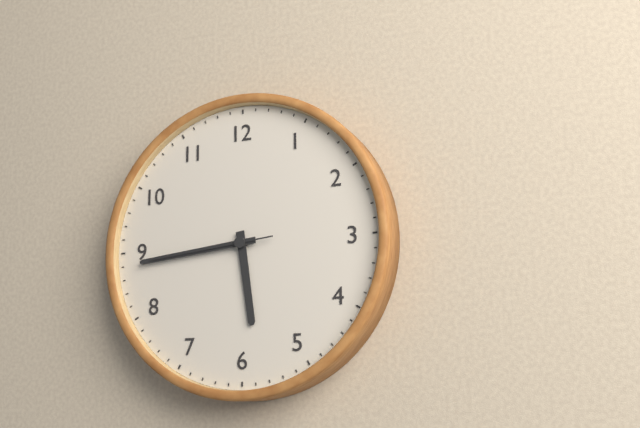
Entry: 5 h 44 min 44 s
